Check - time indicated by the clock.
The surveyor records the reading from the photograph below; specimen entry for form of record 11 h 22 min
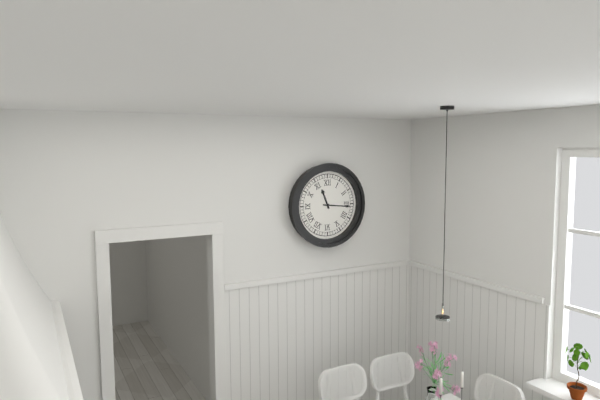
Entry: 11 h 16 min
